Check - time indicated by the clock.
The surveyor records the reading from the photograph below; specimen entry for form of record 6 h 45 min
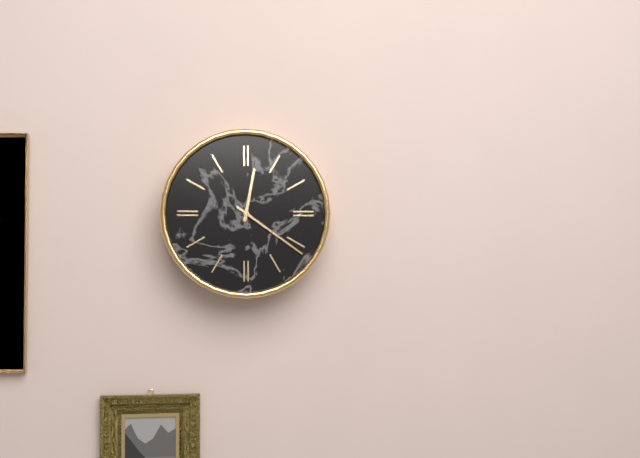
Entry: 12 h 21 min
